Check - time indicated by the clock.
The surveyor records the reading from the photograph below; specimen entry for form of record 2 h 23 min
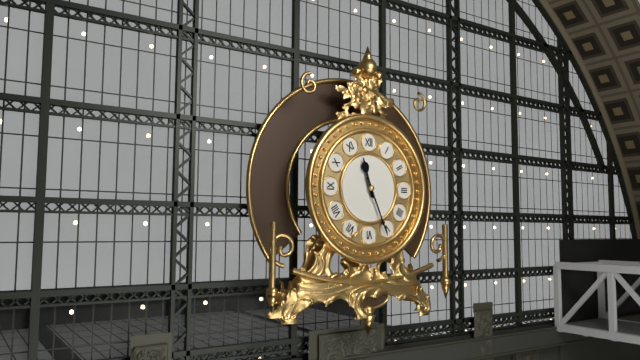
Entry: 11 h 26 min
